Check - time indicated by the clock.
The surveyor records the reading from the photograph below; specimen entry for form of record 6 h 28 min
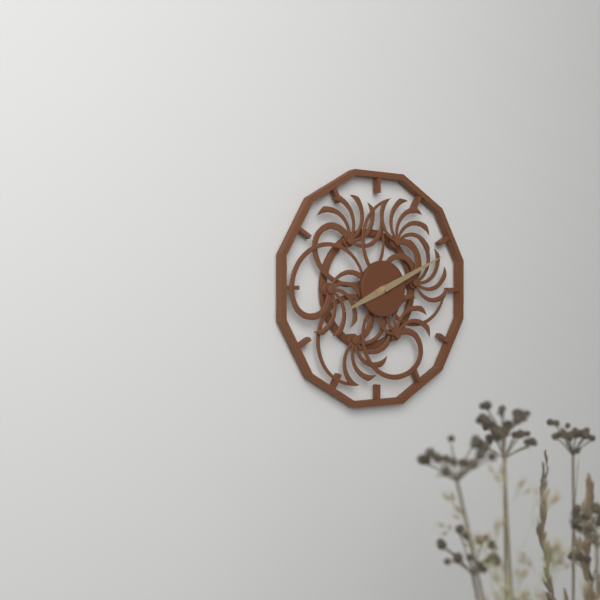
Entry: 8 h 11 min
